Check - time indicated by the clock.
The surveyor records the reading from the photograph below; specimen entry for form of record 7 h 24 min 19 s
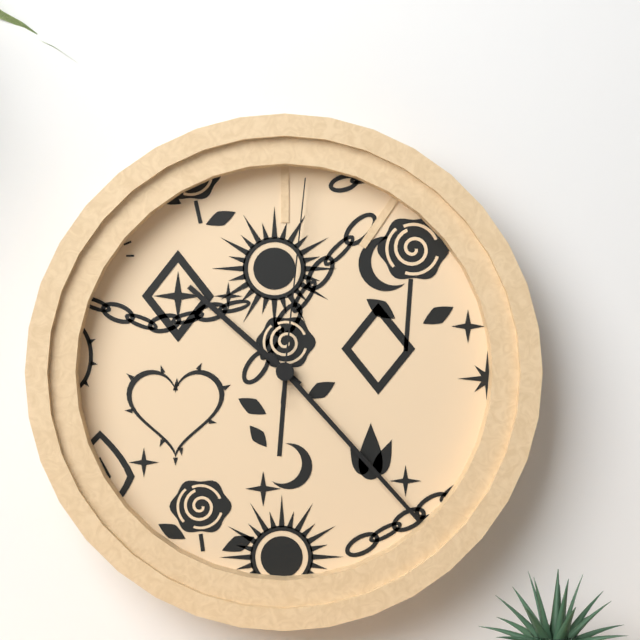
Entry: 10 h 23 min 01 s
